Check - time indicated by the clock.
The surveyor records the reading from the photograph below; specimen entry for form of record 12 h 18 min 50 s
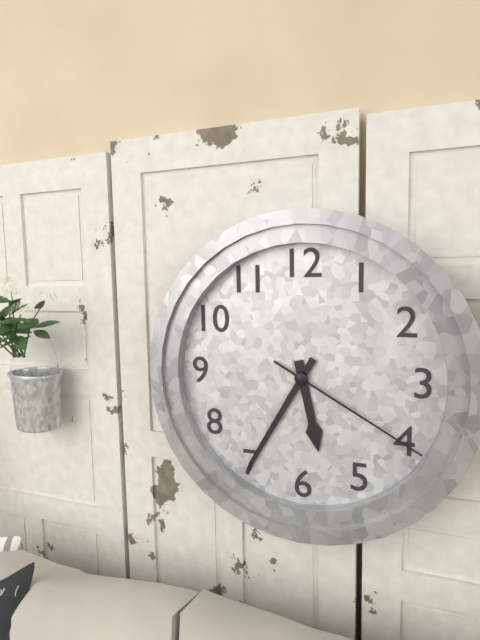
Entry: 5 h 35 min 20 s
